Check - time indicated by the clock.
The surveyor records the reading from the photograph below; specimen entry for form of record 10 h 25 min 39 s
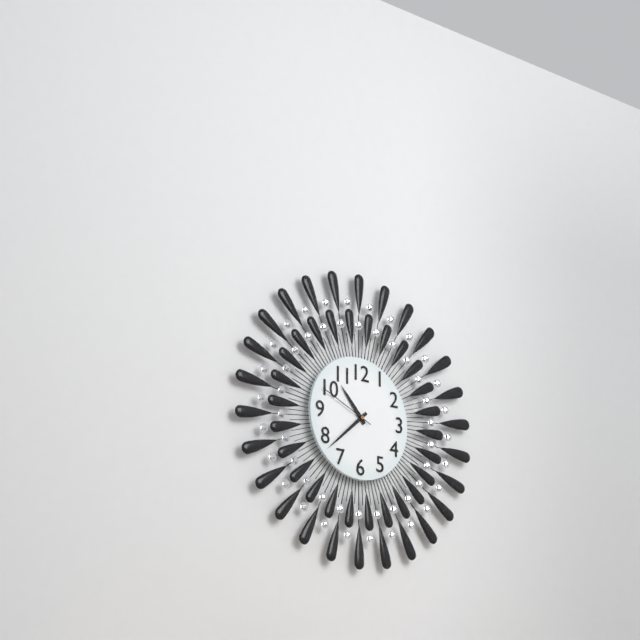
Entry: 10 h 38 min 49 s
